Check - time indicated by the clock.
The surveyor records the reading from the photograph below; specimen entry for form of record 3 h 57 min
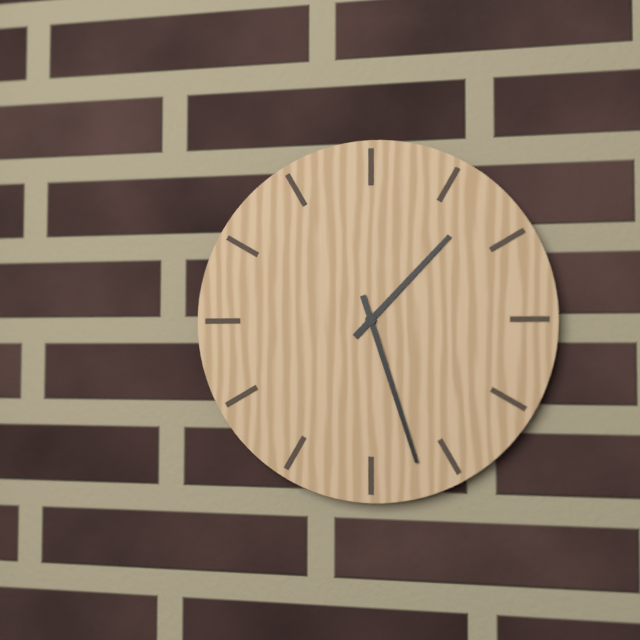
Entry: 1 h 27 min
